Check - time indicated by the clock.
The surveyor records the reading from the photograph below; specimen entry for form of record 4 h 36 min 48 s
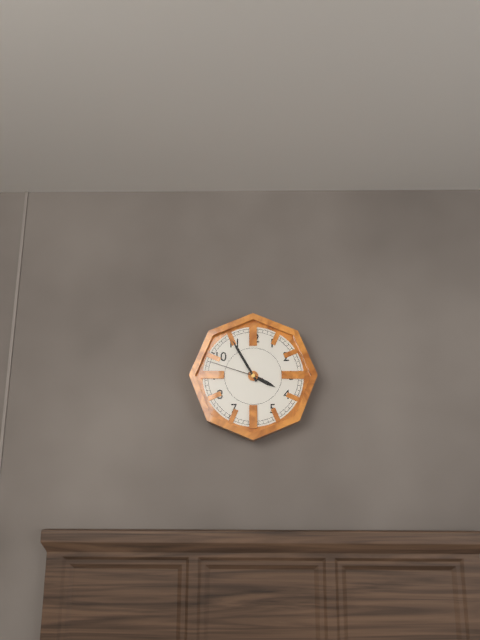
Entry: 3 h 55 min 48 s
